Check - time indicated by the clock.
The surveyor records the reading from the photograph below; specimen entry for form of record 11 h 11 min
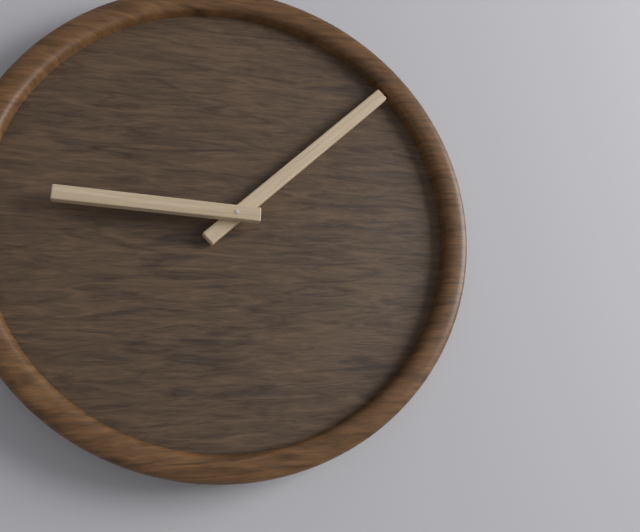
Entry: 9 h 08 min
